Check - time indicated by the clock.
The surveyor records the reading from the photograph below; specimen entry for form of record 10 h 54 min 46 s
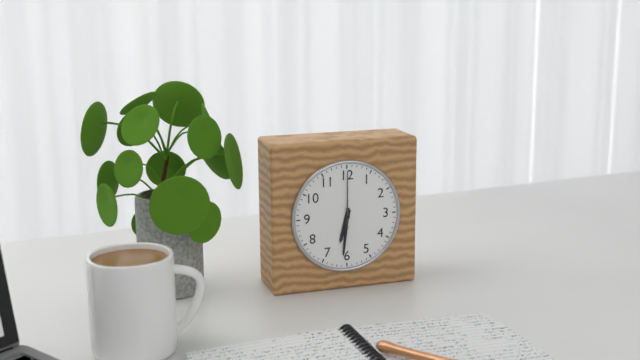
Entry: 6 h 31 min 00 s
